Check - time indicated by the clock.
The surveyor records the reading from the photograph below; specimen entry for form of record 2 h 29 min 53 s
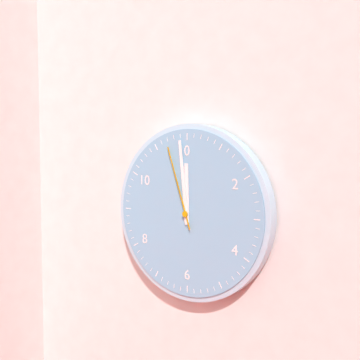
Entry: 11 h 59 min 57 s
